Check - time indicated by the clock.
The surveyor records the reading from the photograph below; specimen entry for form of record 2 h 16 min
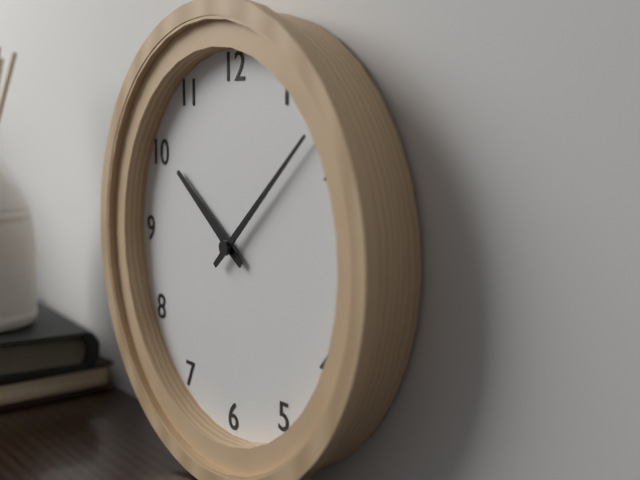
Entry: 10 h 08 min
